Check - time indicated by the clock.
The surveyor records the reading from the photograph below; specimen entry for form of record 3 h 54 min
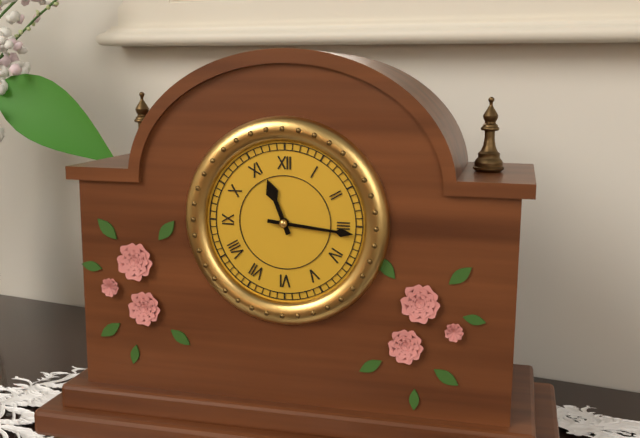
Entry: 11 h 16 min
